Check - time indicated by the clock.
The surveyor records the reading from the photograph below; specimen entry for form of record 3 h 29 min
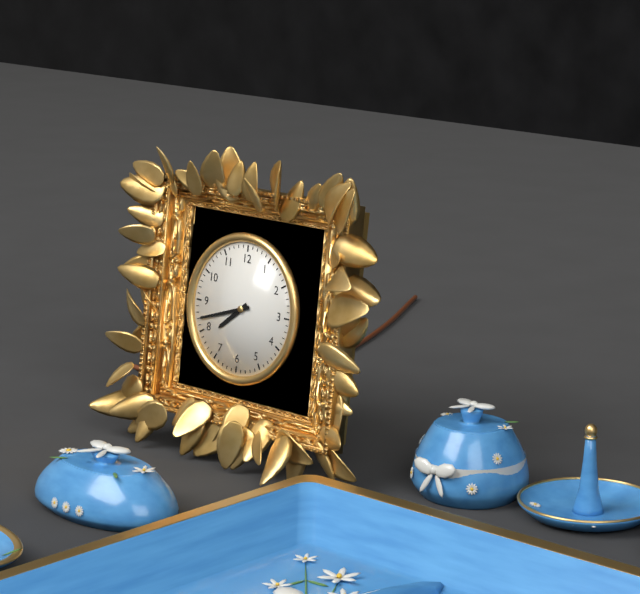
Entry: 7 h 42 min
